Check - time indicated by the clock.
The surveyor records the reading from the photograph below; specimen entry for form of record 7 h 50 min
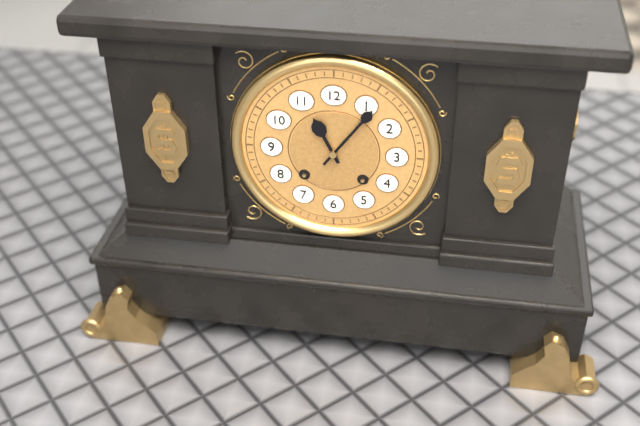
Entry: 11 h 06 min
